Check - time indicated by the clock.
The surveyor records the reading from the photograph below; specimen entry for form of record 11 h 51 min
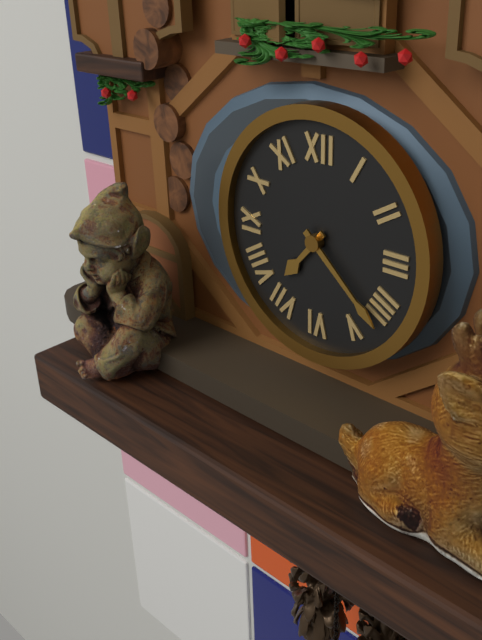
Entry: 7 h 22 min
